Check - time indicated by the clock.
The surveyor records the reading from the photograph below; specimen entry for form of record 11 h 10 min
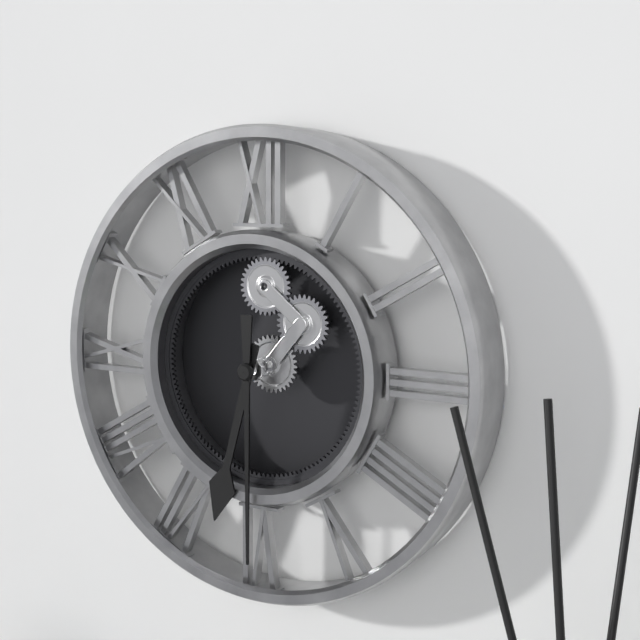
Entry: 6 h 30 min
